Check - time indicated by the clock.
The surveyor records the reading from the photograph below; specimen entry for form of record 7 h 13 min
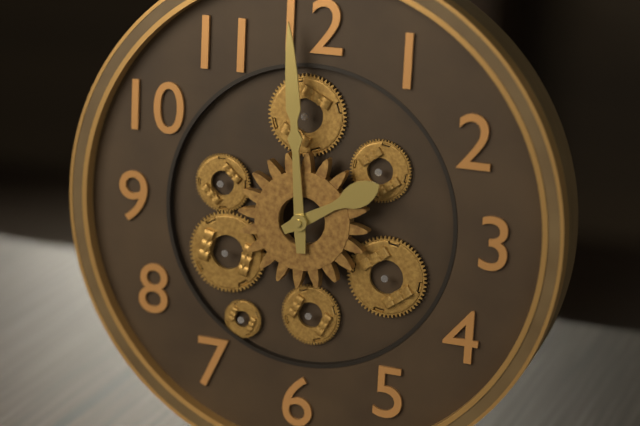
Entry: 1 h 59 min
